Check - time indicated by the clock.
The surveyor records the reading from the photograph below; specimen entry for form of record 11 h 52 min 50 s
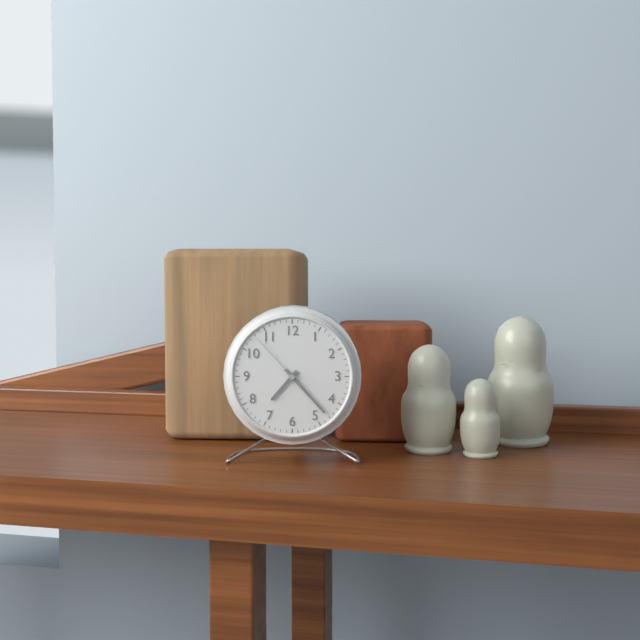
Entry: 7 h 23 min 53 s
